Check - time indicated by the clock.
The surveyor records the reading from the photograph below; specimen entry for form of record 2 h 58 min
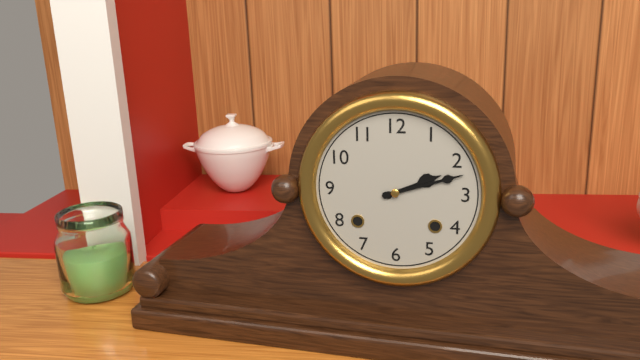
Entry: 2 h 12 min
